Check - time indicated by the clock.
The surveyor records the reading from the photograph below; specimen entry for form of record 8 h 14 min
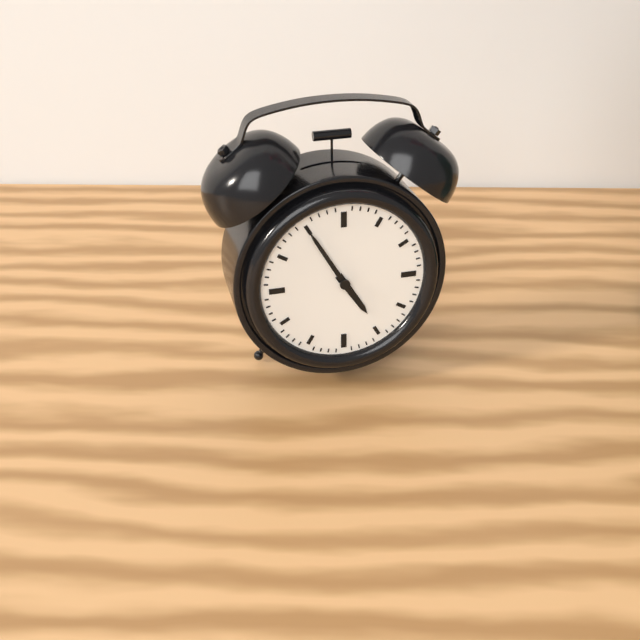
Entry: 4 h 55 min
